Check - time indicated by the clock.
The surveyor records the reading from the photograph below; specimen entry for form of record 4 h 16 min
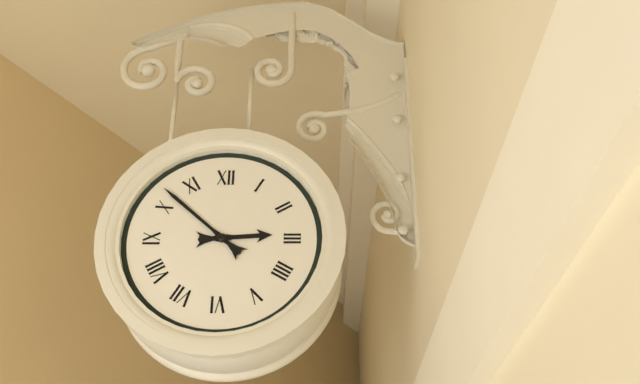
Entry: 2 h 52 min
